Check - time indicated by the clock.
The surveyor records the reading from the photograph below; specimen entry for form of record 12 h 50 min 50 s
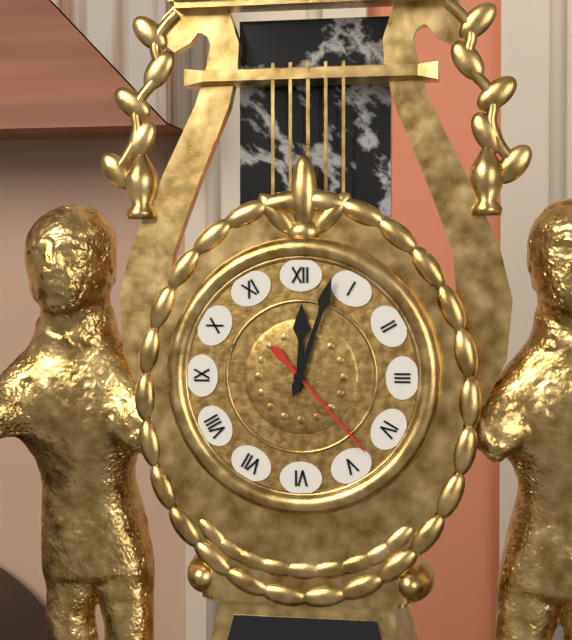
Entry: 12 h 03 min 23 s
